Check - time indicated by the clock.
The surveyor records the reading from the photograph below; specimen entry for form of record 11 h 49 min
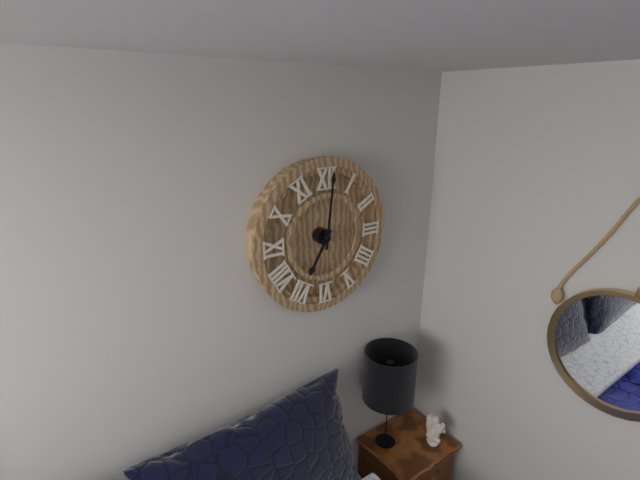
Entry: 7 h 01 min
